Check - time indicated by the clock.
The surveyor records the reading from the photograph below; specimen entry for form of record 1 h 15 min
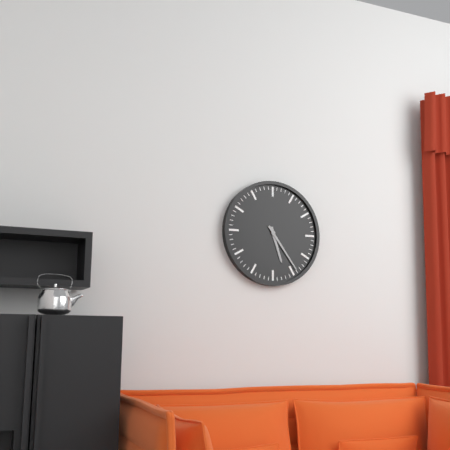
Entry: 5 h 24 min
